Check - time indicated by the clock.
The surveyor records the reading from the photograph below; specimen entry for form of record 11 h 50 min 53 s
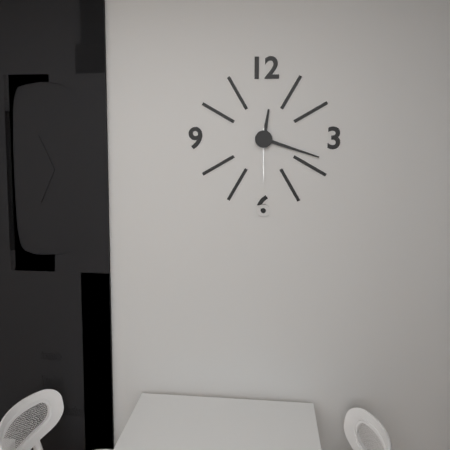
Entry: 12 h 18 min 30 s
